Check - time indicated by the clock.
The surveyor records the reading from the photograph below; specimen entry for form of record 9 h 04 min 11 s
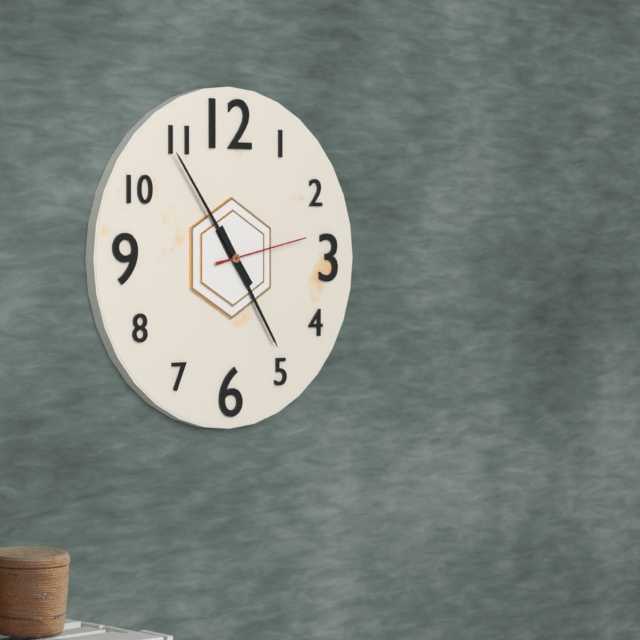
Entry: 4 h 54 min 13 s
